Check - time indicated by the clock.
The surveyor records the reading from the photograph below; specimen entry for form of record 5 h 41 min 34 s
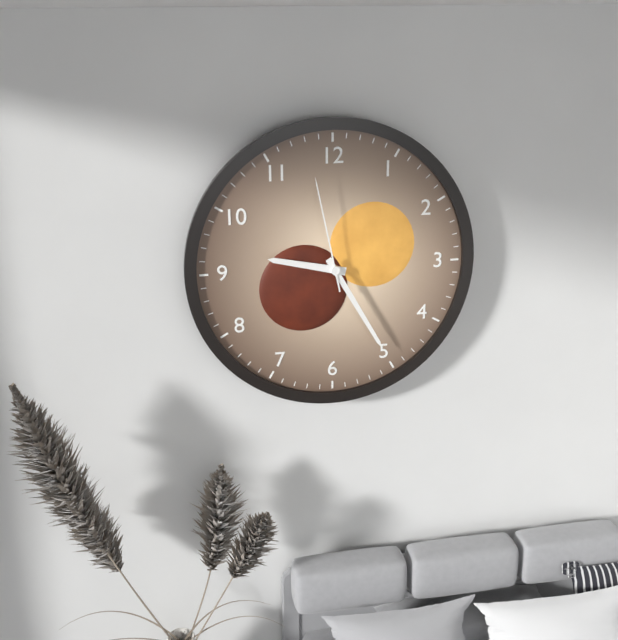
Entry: 9 h 25 min 58 s
